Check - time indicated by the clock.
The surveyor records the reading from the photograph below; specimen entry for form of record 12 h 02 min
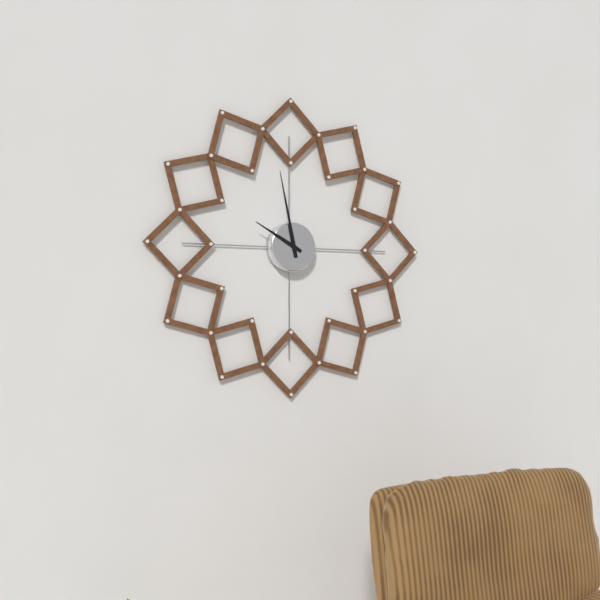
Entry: 9 h 58 min
